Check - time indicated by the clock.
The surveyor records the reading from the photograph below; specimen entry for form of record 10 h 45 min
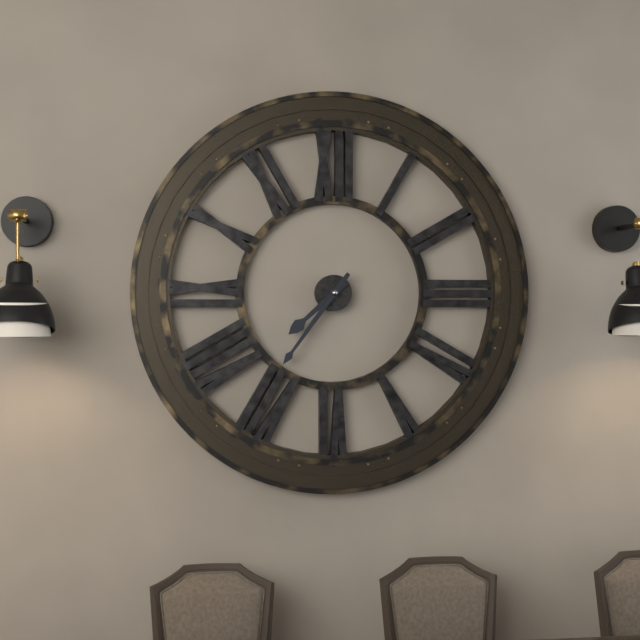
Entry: 7 h 36 min
